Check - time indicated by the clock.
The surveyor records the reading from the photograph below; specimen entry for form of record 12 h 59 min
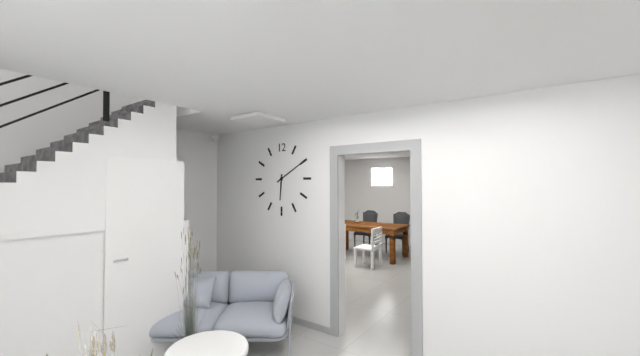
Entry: 6 h 10 min
